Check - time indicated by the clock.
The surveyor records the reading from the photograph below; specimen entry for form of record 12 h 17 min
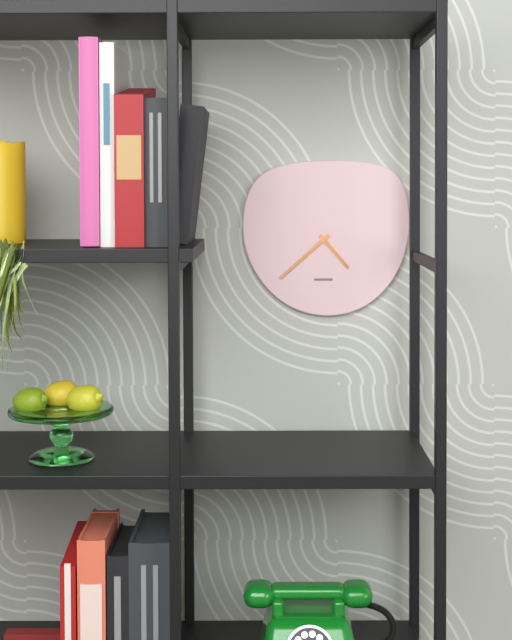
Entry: 4 h 38 min
